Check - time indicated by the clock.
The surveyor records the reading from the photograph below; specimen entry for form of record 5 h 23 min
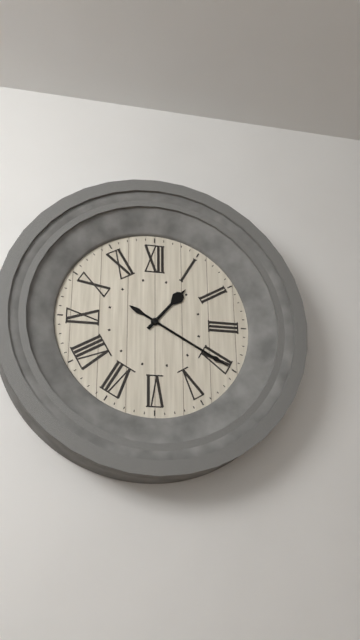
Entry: 1 h 20 min
